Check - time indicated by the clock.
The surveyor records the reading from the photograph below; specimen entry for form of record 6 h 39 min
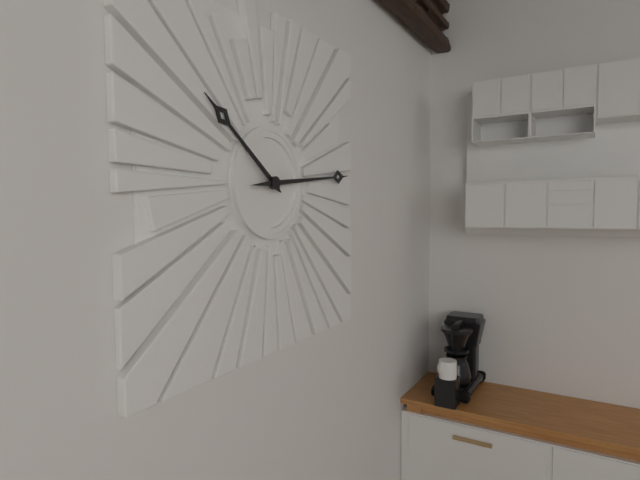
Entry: 10 h 14 min
